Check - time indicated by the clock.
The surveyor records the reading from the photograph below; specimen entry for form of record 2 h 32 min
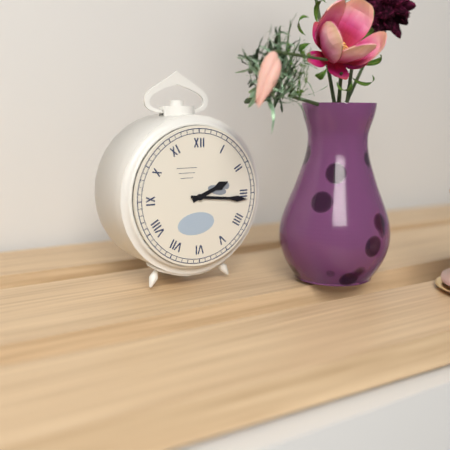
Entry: 2 h 16 min
